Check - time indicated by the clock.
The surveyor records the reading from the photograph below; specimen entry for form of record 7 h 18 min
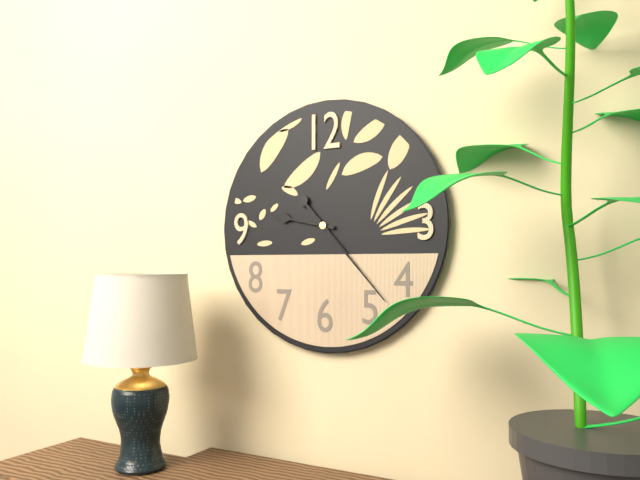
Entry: 9 h 23 min
